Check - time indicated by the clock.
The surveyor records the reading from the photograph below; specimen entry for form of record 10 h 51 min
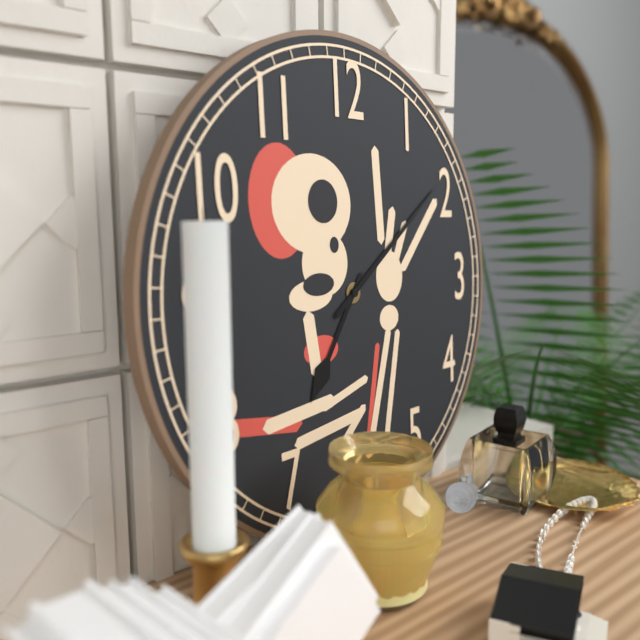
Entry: 7 h 09 min
